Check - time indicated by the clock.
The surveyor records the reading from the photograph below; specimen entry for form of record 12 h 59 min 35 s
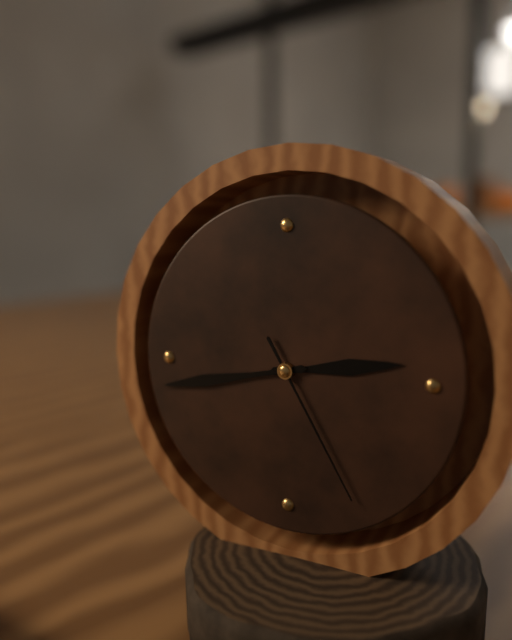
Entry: 2 h 43 min 25 s
